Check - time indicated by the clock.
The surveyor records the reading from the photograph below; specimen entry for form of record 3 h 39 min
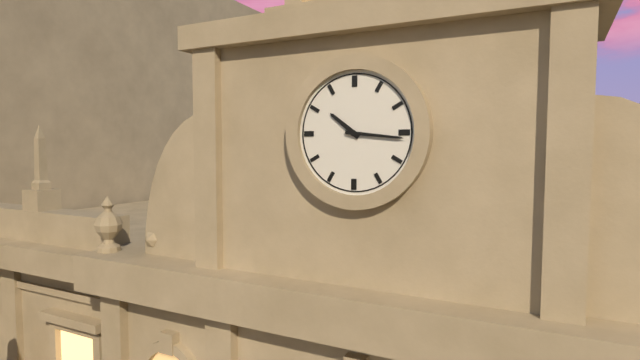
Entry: 10 h 16 min
